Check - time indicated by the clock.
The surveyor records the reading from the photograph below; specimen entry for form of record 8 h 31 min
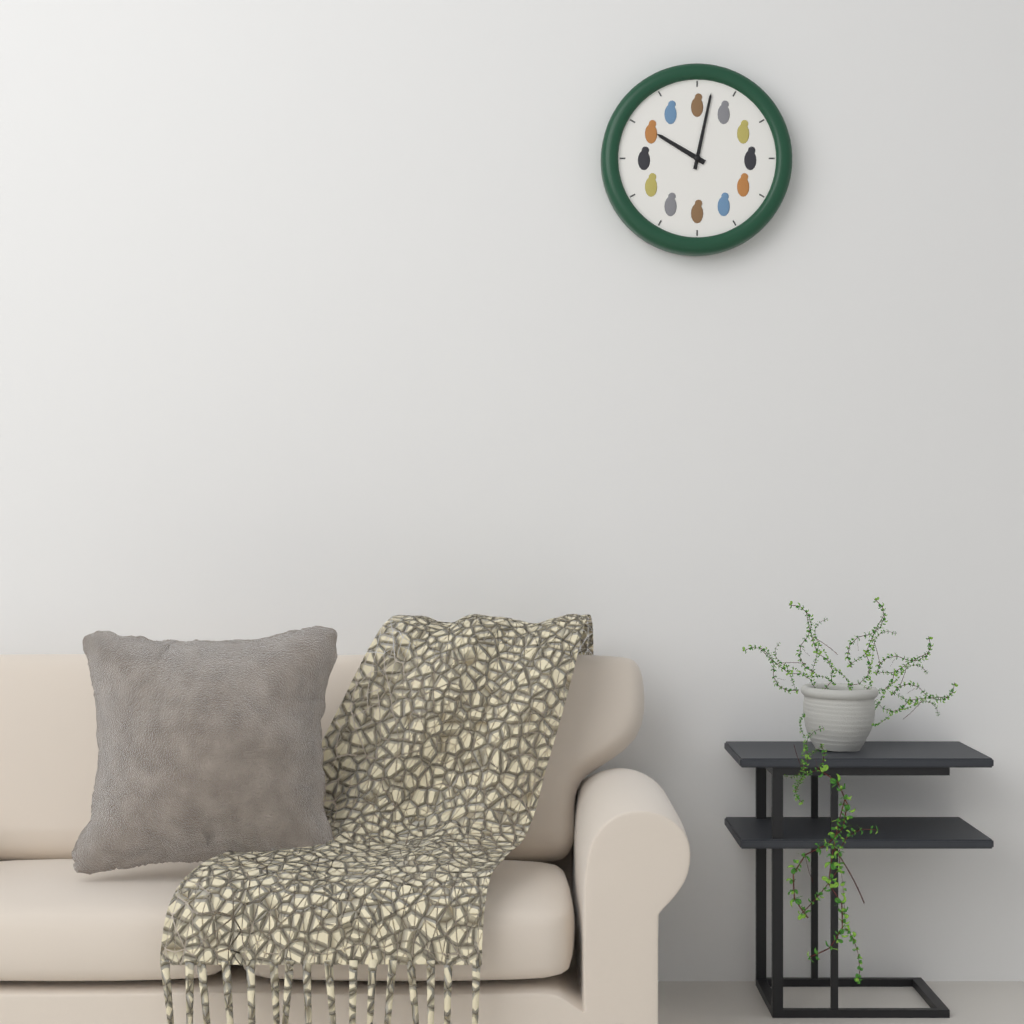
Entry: 10 h 02 min
